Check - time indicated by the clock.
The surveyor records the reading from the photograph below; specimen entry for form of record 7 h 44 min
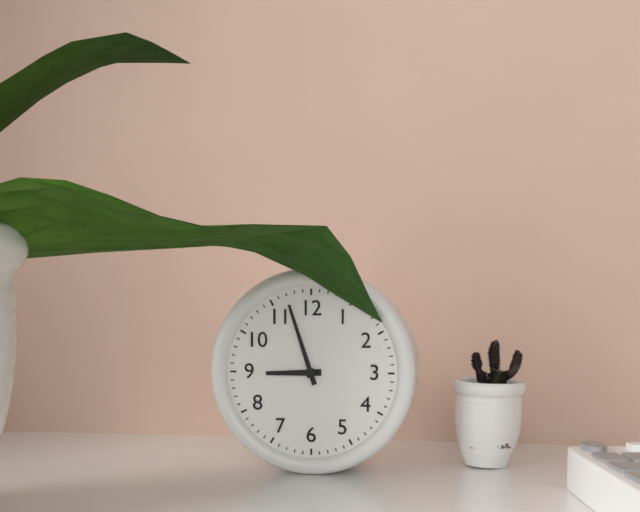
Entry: 8 h 57 min
